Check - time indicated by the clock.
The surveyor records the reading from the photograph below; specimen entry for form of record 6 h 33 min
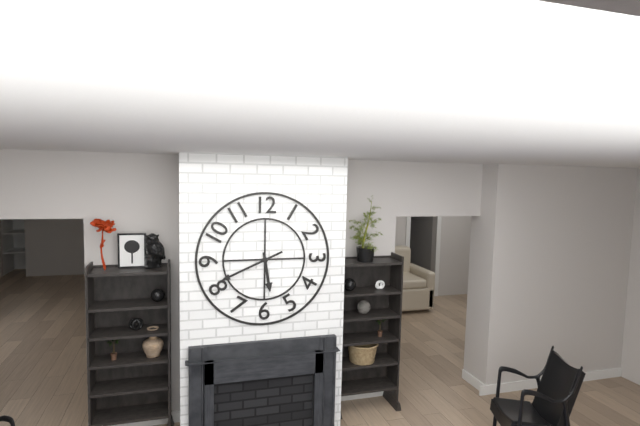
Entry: 5 h 41 min
